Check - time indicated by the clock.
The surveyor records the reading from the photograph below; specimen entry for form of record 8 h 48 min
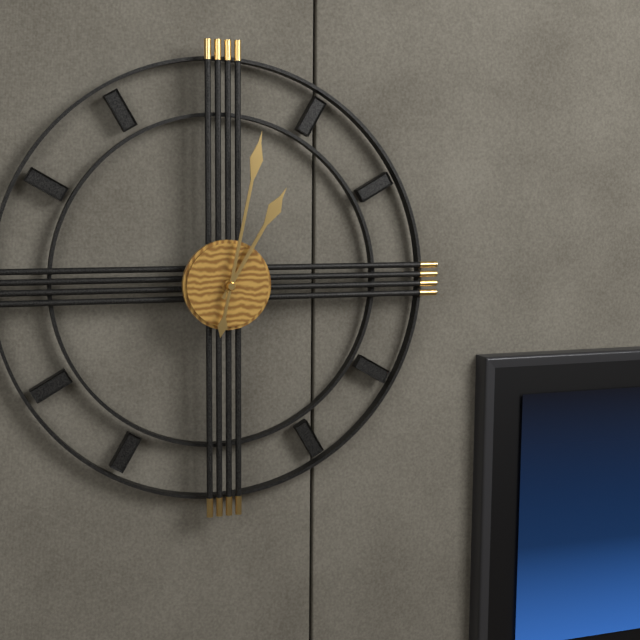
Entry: 1 h 02 min
